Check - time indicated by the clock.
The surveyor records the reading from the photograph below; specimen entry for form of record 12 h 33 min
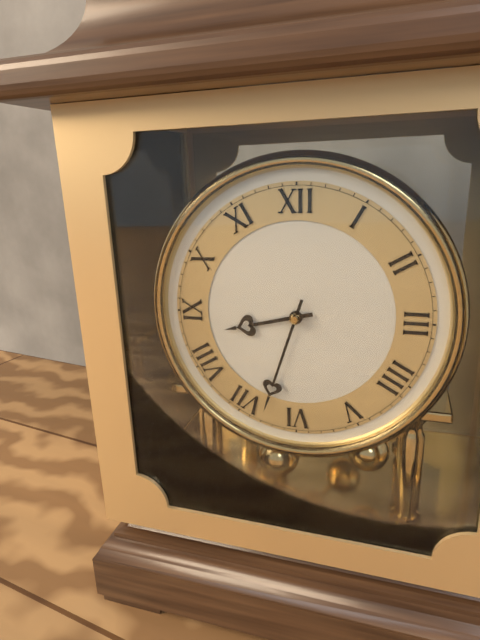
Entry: 8 h 33 min
